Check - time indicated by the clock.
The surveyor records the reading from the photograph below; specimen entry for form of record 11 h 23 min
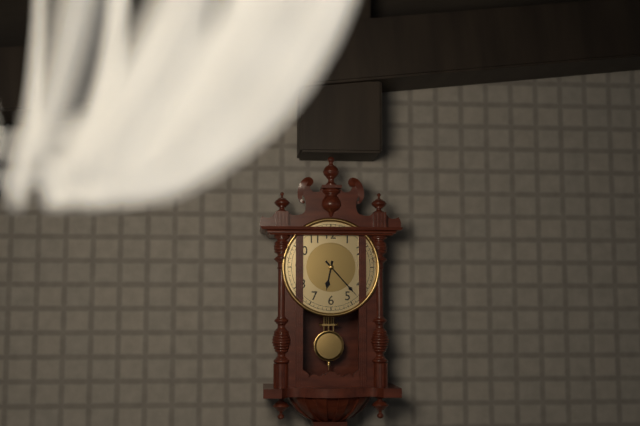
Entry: 6 h 23 min
